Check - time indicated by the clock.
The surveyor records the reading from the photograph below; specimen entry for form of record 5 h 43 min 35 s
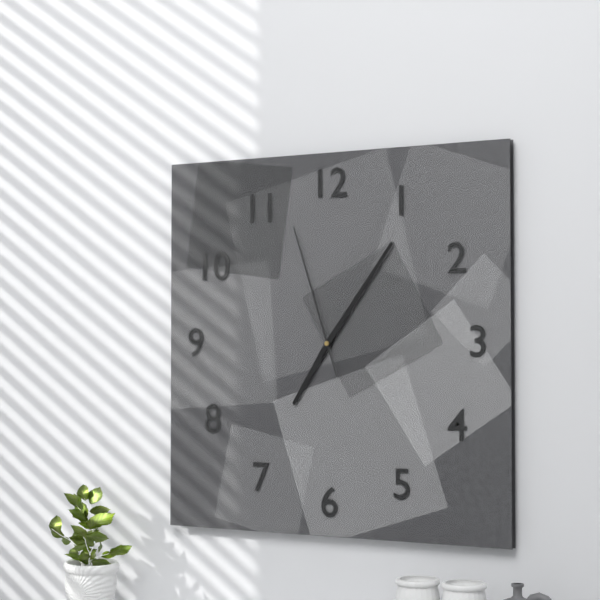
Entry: 7 h 06 min 57 s
